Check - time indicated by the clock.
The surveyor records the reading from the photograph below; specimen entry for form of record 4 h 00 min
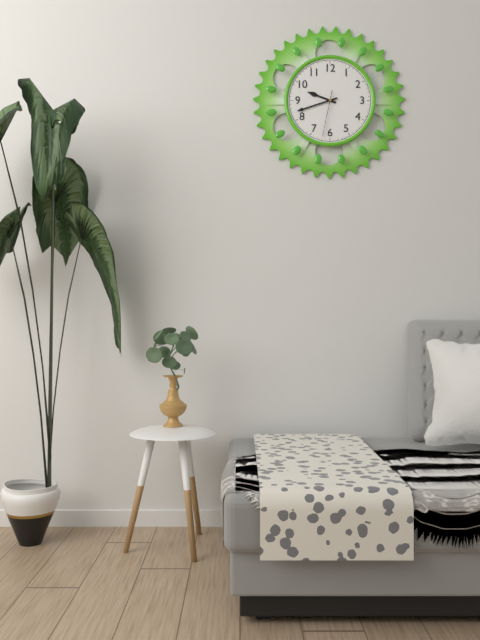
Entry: 9 h 42 min
